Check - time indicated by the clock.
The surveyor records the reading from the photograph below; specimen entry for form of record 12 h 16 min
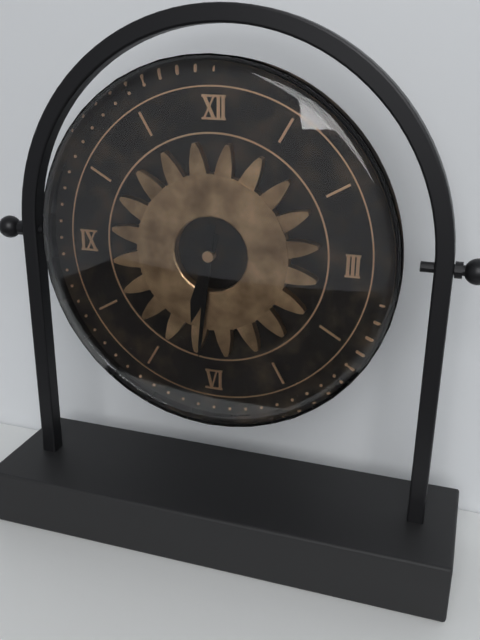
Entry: 6 h 31 min
